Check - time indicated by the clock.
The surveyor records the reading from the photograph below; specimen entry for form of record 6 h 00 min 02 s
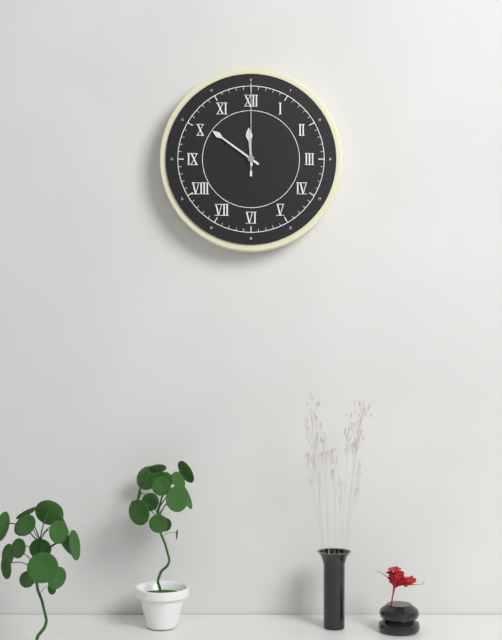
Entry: 11 h 51 min 00 s
